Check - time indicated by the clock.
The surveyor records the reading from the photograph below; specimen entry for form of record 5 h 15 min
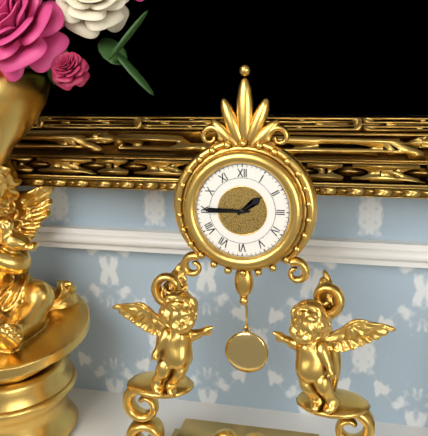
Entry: 1 h 45 min
